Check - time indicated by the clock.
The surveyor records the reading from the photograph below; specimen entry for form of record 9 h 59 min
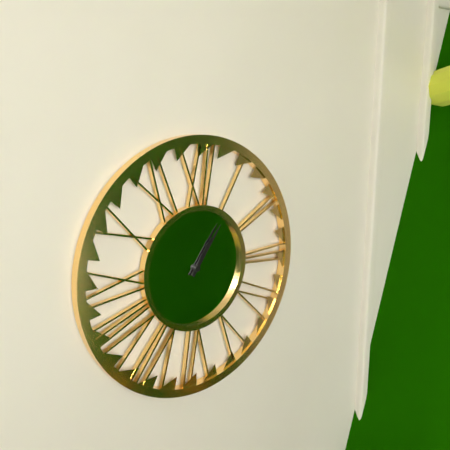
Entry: 1 h 06 min
